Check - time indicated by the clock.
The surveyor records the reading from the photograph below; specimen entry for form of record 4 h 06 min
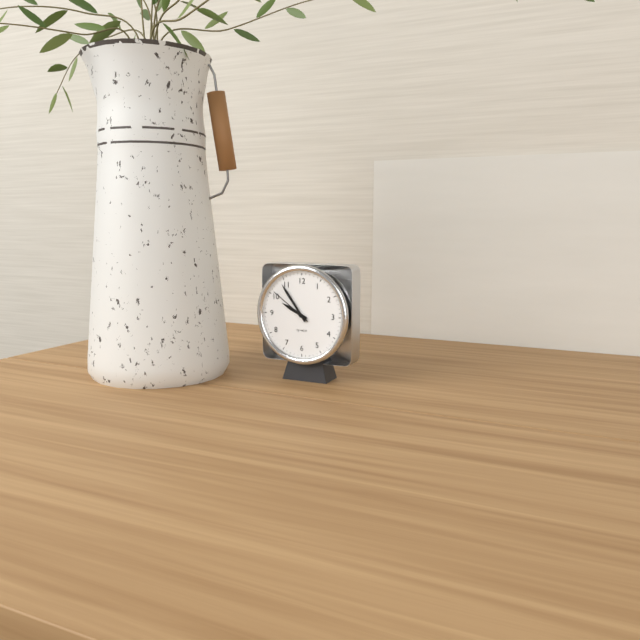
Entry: 9 h 54 min
